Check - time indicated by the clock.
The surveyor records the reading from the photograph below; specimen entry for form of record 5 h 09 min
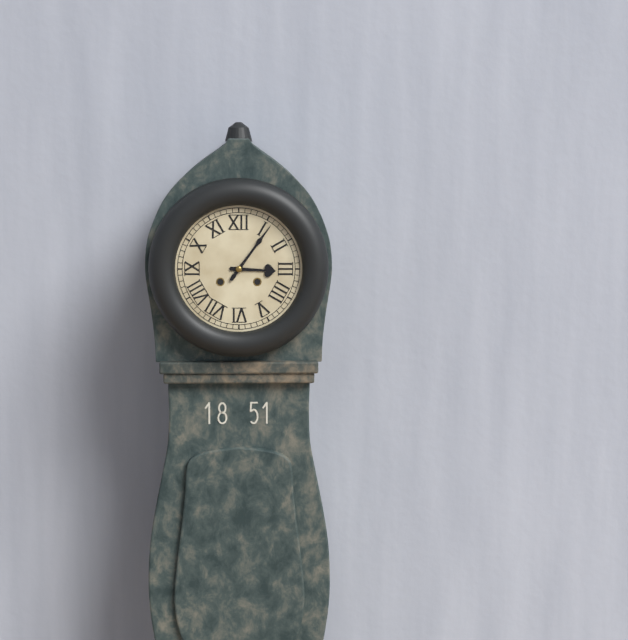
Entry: 3 h 06 min
